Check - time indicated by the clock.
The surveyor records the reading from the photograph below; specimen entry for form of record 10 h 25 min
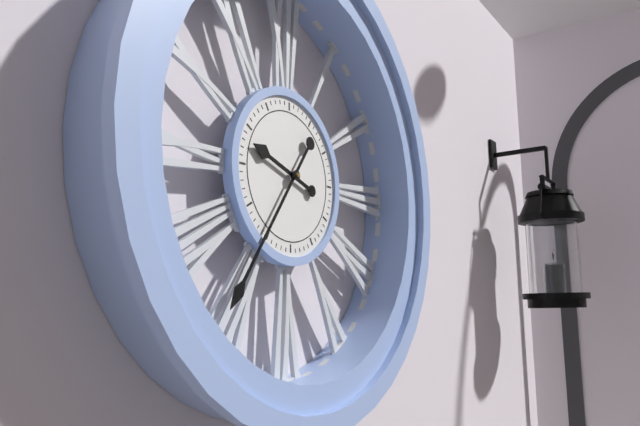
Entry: 9 h 36 min
